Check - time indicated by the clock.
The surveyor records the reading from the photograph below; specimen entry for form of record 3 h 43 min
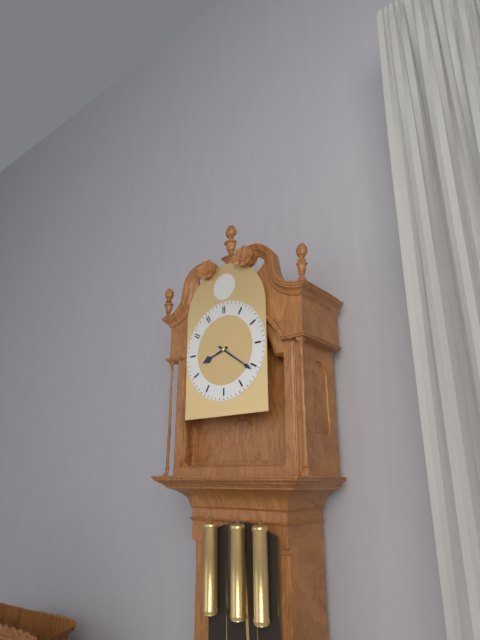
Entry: 8 h 21 min
